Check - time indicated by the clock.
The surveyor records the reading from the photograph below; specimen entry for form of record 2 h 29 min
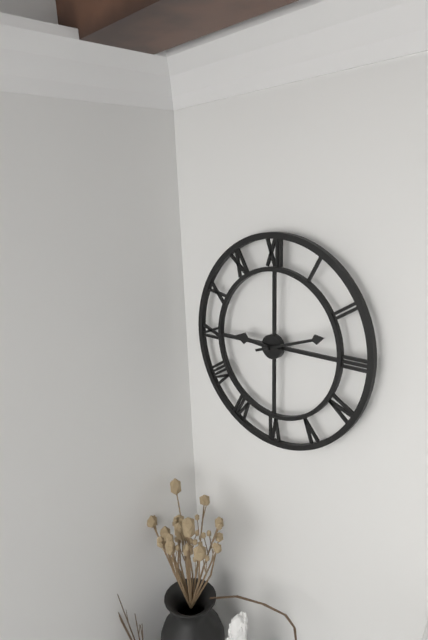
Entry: 9 h 12 min
